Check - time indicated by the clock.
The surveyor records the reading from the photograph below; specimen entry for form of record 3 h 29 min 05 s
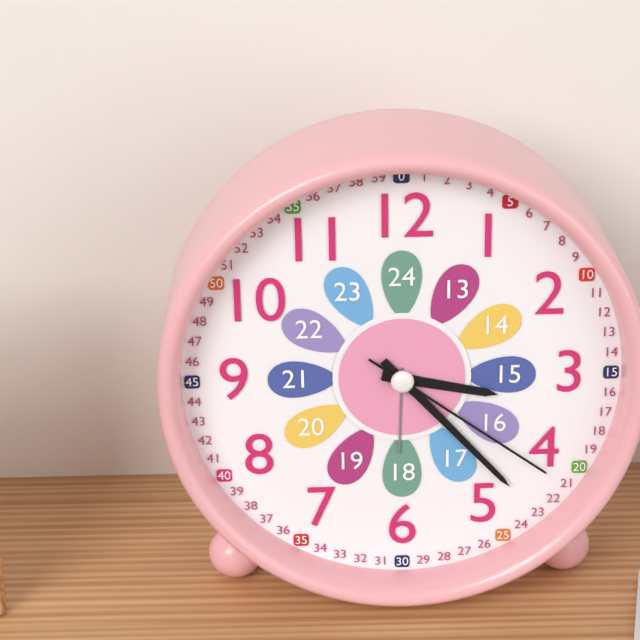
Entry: 3 h 23 min 21 s
